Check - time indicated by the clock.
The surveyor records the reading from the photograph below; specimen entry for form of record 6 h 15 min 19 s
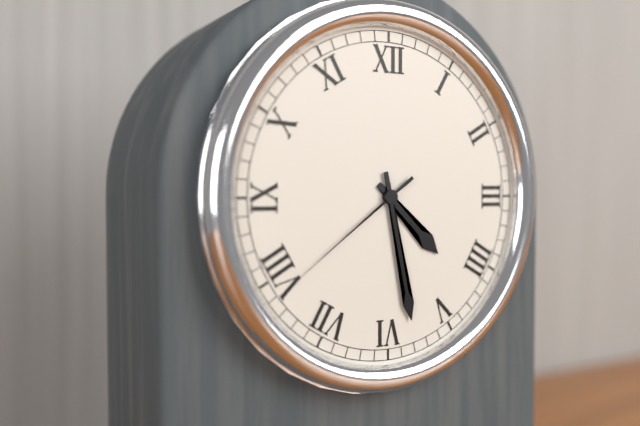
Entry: 4 h 28 min 39 s
